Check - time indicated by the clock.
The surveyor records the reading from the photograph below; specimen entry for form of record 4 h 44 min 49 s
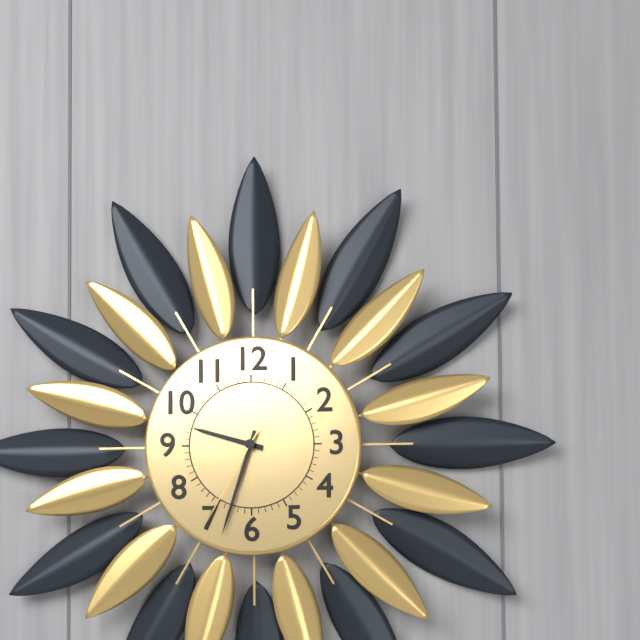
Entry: 9 h 33 min 35 s
